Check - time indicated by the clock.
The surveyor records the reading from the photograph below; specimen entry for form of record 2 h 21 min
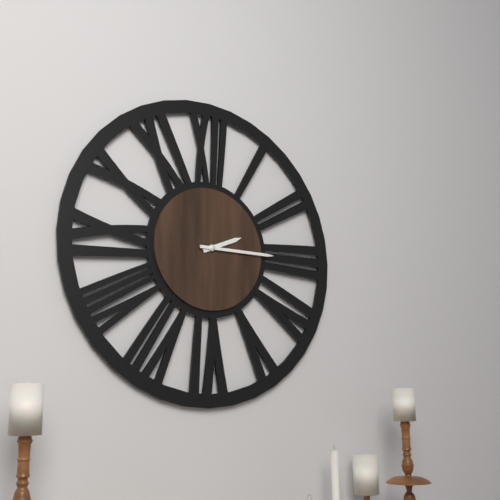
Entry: 2 h 15 min
